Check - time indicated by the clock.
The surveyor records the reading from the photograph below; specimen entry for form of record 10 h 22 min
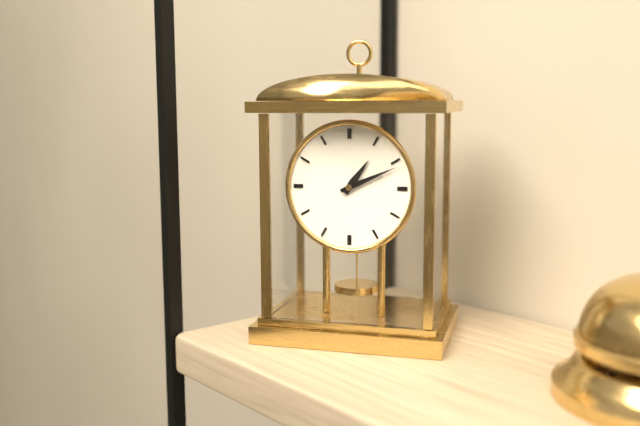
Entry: 1 h 11 min
